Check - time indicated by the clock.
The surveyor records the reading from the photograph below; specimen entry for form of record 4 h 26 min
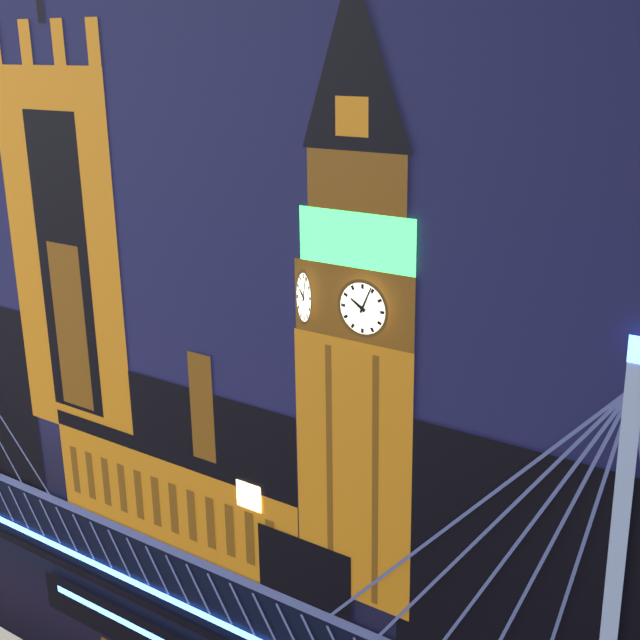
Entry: 10 h 04 min
